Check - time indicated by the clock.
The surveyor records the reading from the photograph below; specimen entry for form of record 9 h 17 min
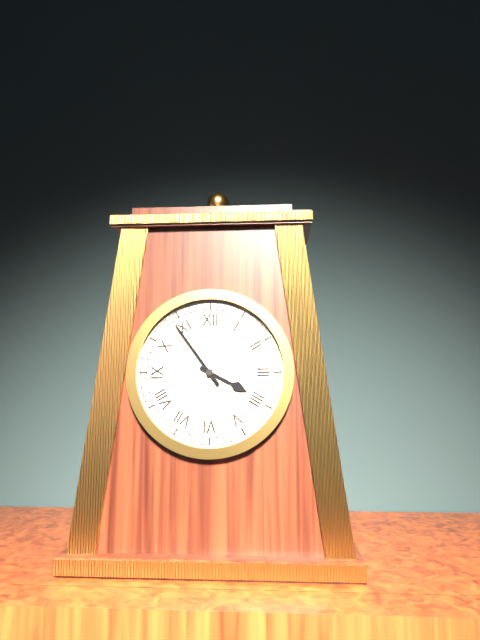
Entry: 3 h 54 min
